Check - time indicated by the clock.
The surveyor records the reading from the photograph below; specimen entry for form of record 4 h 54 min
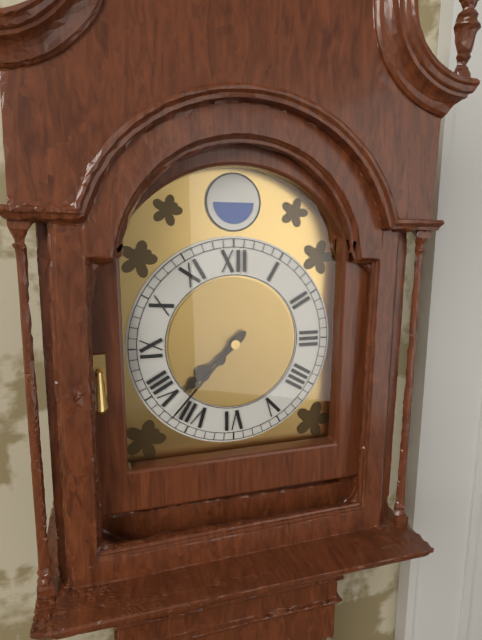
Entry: 7 h 37 min
